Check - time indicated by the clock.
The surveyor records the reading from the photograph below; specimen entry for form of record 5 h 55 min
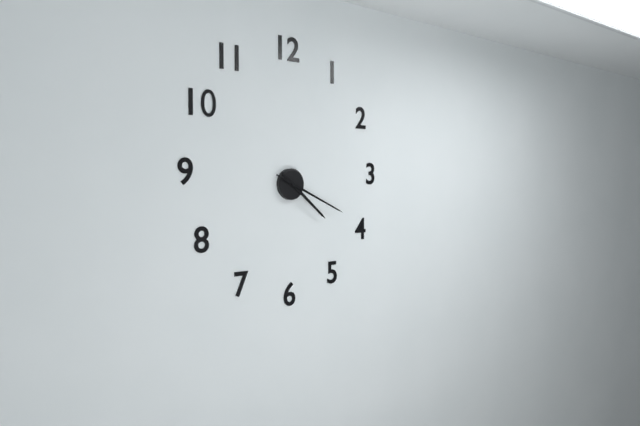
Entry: 4 h 19 min
